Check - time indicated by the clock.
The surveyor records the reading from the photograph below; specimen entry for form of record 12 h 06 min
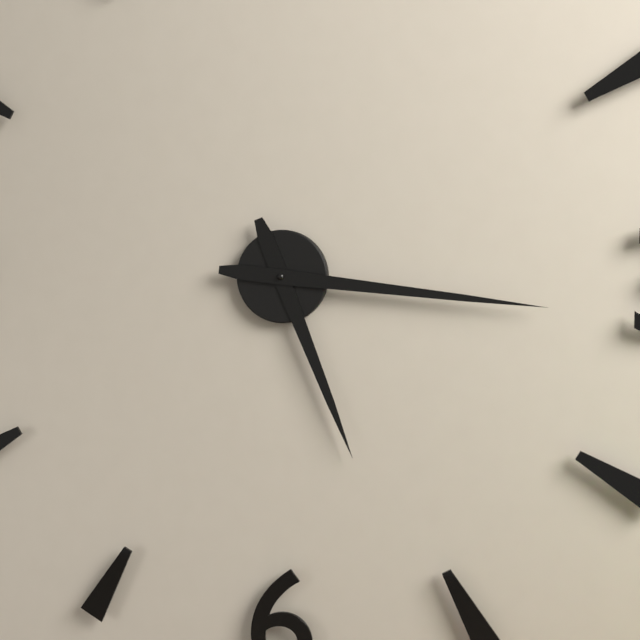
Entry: 5 h 16 min
